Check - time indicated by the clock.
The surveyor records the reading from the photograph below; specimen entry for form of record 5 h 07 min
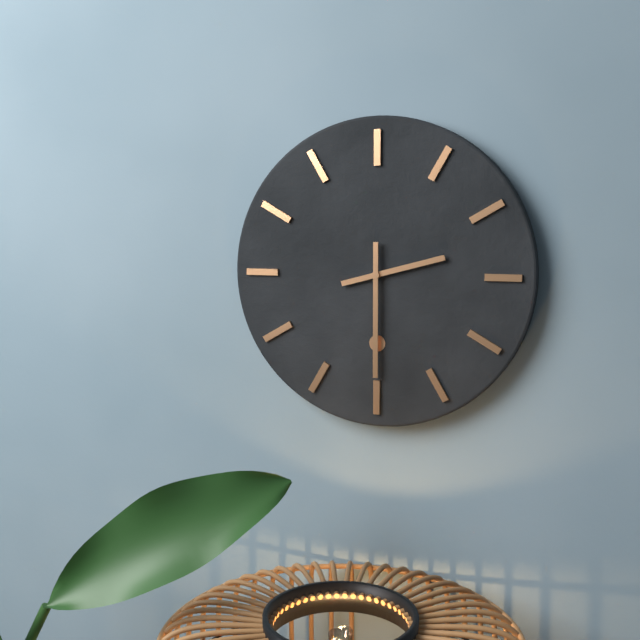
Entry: 2 h 30 min
